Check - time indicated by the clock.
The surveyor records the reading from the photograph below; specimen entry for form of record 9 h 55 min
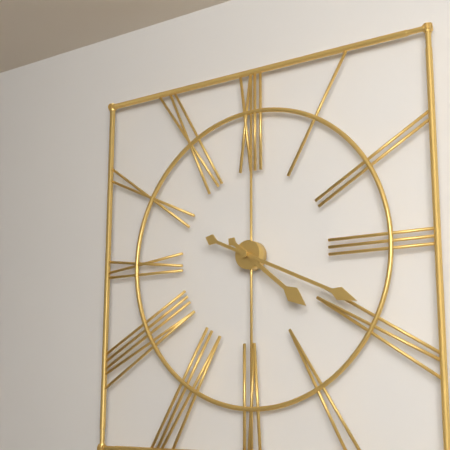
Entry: 4 h 19 min
